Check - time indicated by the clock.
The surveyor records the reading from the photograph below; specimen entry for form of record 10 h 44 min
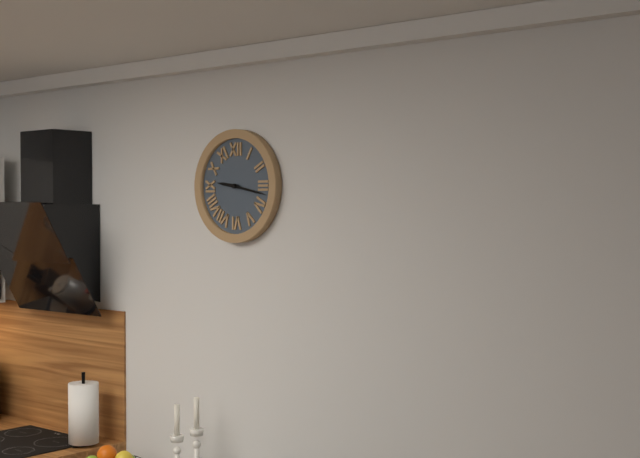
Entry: 9 h 17 min
